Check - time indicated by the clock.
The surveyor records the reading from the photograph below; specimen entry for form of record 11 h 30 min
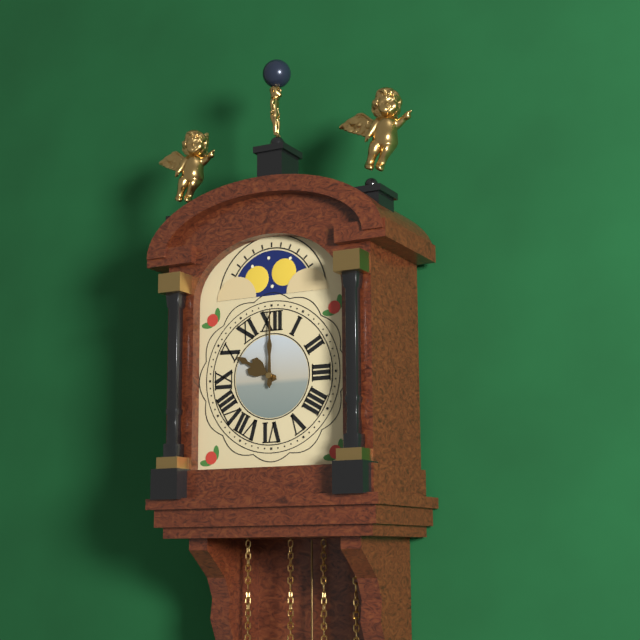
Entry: 10 h 00 min
